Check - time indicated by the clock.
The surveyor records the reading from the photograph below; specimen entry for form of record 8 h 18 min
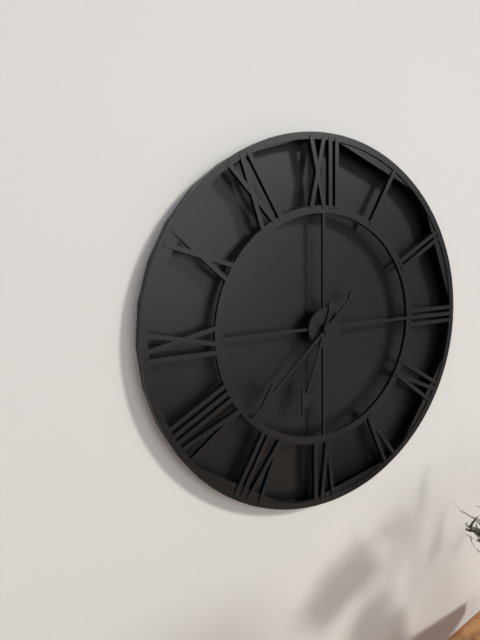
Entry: 6 h 38 min
